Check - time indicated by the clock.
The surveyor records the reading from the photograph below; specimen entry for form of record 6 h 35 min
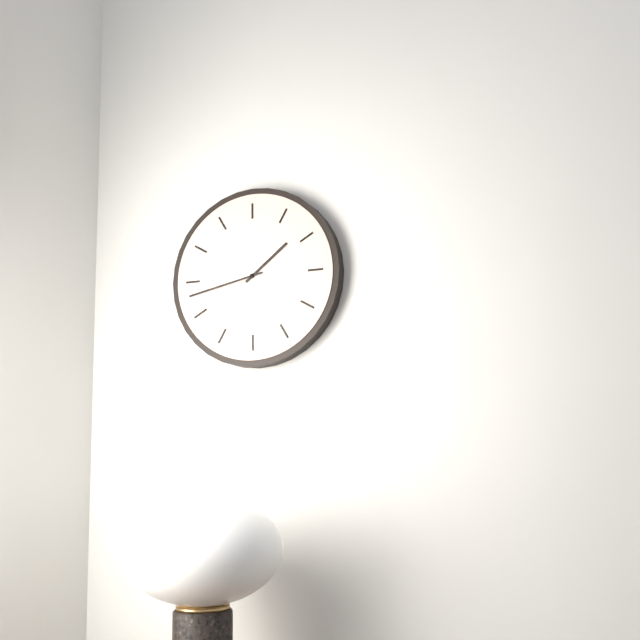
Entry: 1 h 43 min
